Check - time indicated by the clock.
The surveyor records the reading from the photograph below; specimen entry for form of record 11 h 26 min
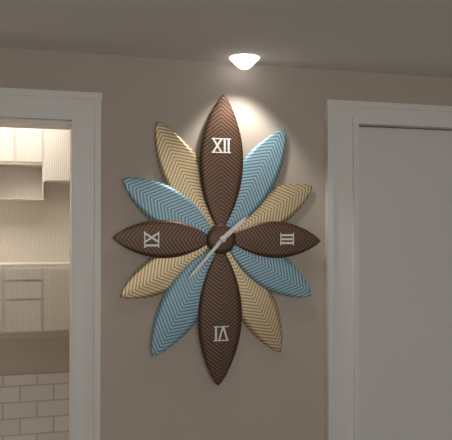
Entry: 1 h 37 min
